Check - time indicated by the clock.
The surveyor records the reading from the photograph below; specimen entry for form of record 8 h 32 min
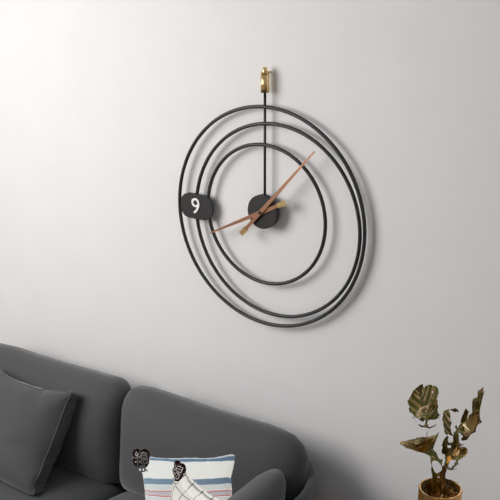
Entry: 8 h 07 min
